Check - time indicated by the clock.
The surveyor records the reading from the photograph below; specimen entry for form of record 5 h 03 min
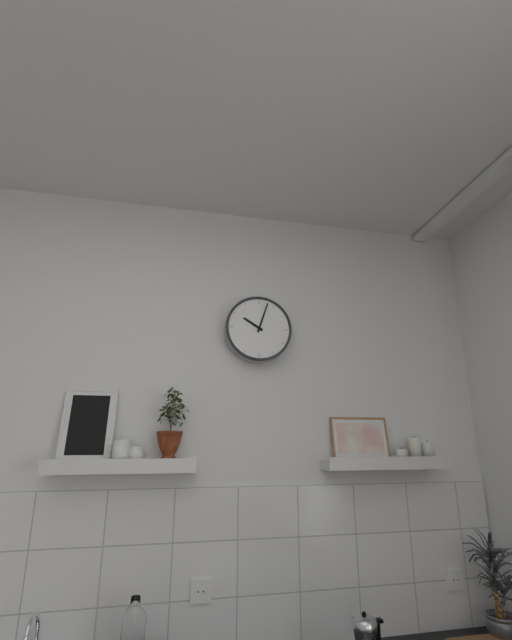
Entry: 10 h 03 min
